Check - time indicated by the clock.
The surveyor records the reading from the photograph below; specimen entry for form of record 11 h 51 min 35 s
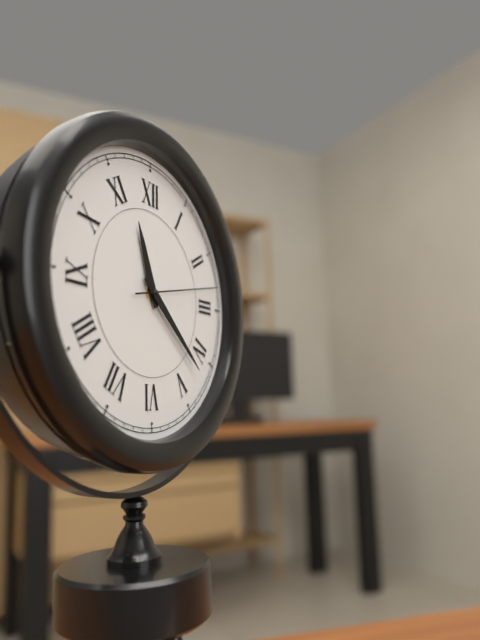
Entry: 11 h 22 min 13 s
